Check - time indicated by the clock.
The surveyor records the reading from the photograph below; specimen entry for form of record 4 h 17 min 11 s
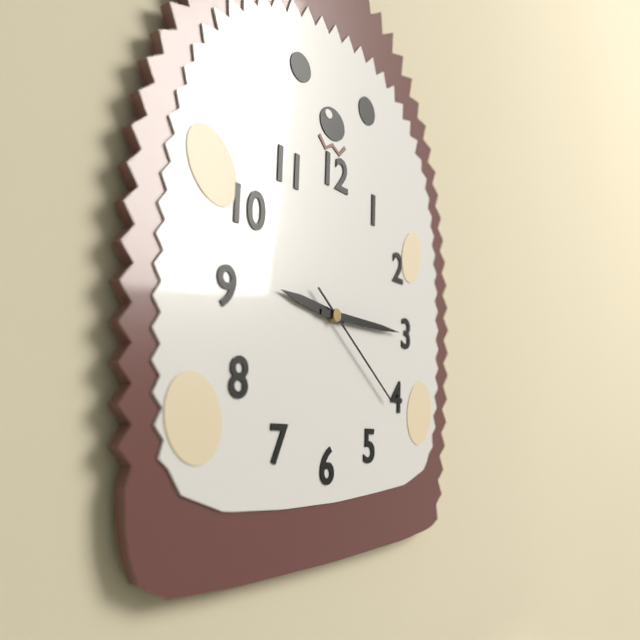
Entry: 9 h 15 min 21 s
